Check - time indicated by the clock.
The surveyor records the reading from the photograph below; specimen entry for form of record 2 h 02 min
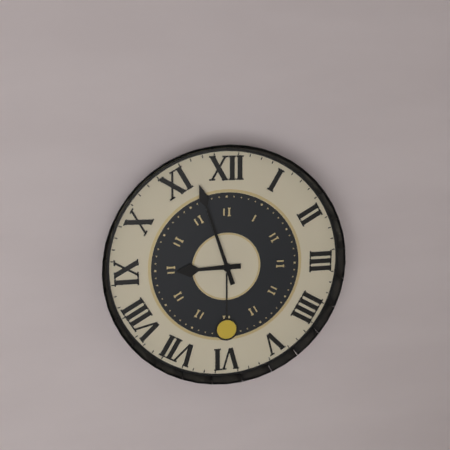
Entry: 8 h 57 min
